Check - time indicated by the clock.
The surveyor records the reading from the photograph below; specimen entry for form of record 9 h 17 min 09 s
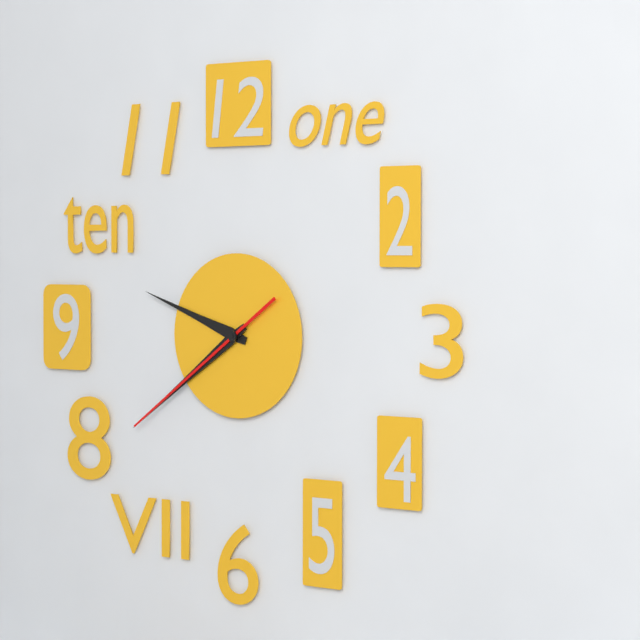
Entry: 9 h 39 min 39 s
